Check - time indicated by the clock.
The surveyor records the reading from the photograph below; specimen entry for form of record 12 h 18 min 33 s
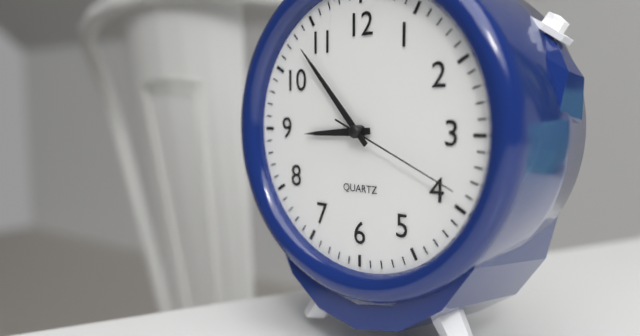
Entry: 8 h 53 min 19 s
